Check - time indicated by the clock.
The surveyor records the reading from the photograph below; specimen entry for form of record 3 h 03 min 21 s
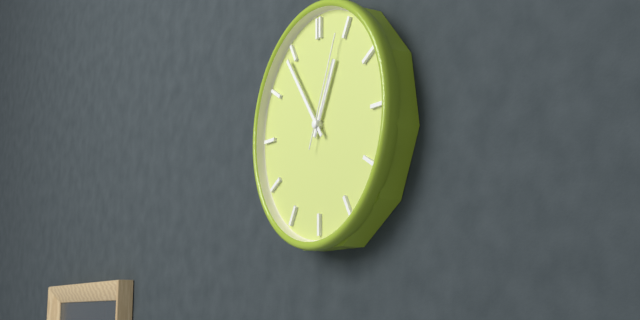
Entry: 12 h 54 min 04 s
